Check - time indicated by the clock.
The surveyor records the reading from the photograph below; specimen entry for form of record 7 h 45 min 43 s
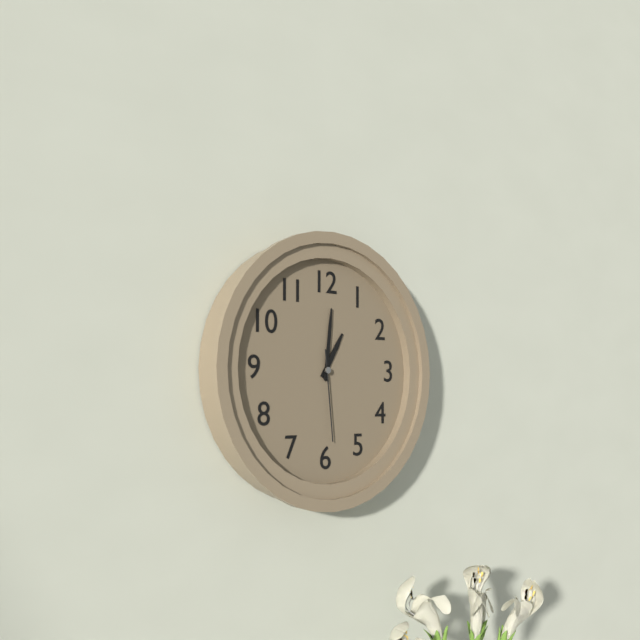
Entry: 1 h 01 min 29 s
